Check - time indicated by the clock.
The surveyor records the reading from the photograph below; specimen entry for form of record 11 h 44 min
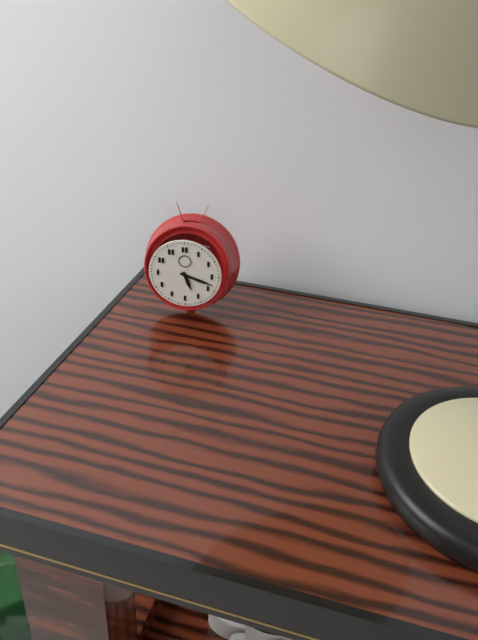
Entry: 5 h 18 min
